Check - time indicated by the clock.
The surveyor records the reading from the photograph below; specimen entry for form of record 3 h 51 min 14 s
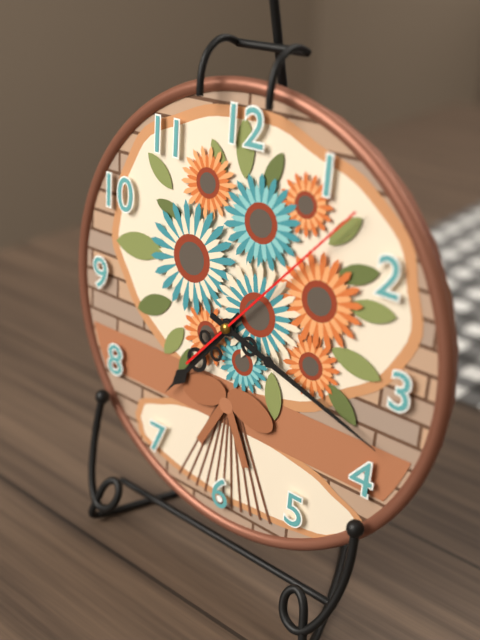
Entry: 7 h 18 min 07 s
